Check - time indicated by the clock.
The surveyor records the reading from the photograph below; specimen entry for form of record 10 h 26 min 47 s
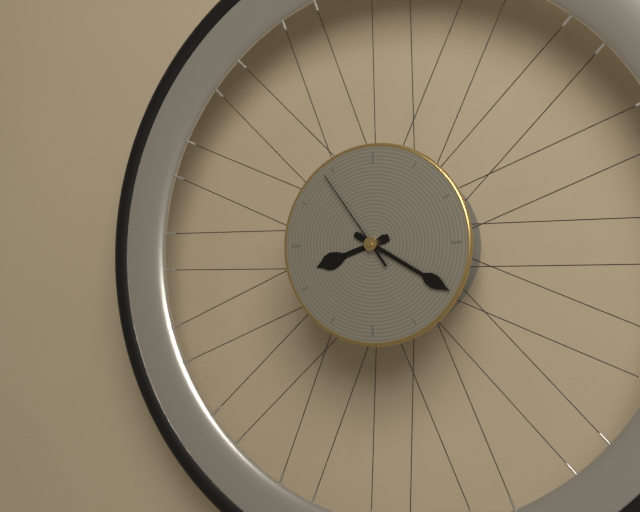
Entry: 8 h 20 min 54 s
